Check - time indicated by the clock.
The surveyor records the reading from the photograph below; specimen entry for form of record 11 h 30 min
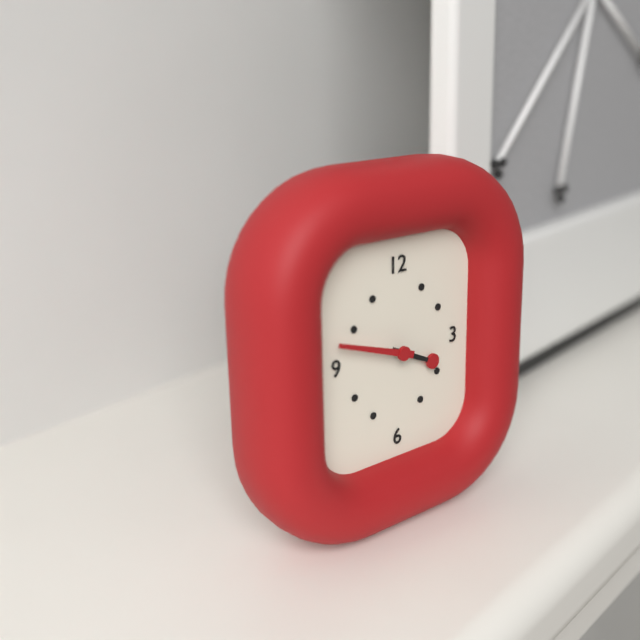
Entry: 3 h 48 min
